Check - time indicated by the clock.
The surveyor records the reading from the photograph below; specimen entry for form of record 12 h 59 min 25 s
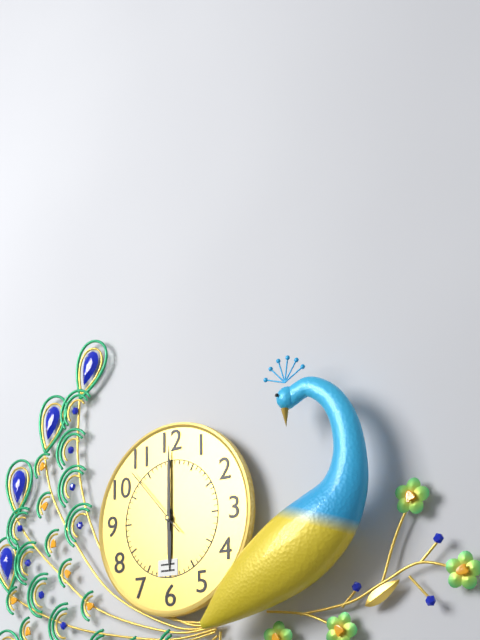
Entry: 6 h 00 min 53 s
